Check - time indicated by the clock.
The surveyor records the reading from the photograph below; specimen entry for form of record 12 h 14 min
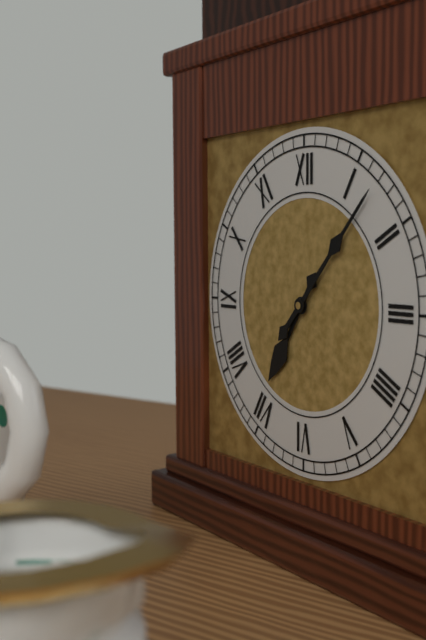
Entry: 7 h 07 min
